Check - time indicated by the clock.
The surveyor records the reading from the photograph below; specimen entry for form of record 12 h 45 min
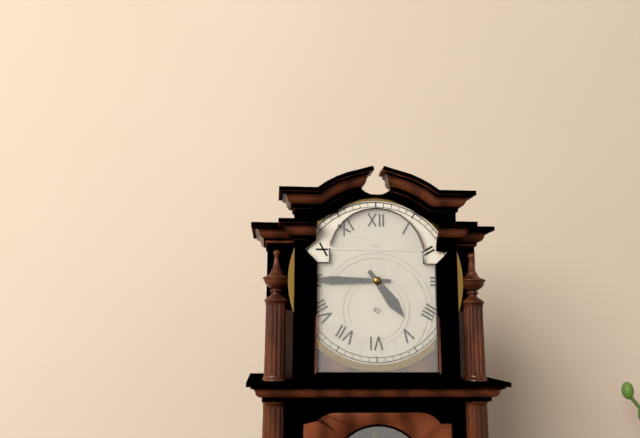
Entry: 4 h 45 min
